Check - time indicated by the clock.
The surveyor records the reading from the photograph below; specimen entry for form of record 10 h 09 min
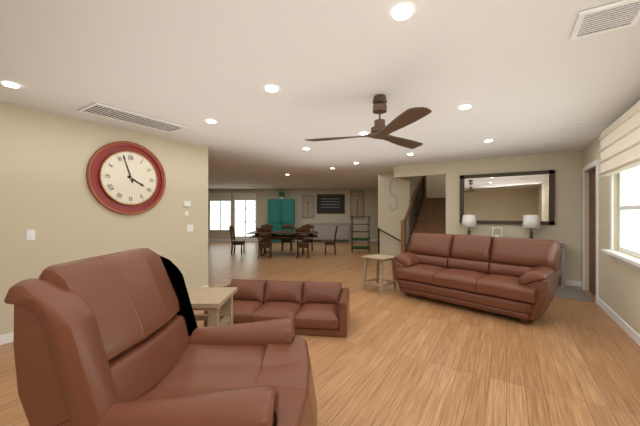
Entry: 3 h 57 min
